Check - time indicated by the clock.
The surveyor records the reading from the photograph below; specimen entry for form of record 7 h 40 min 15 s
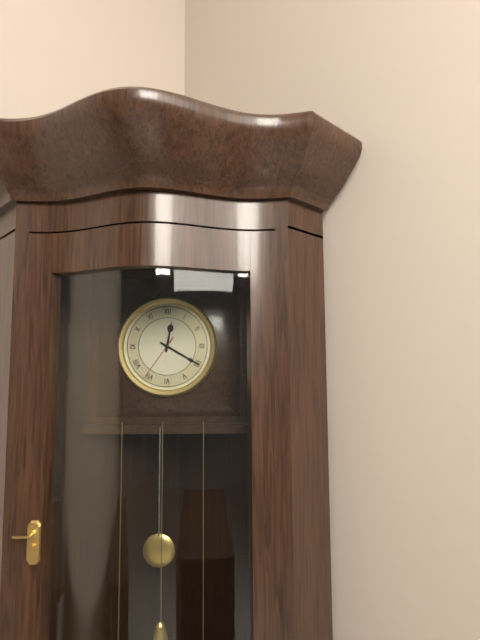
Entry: 12 h 20 min 36 s
